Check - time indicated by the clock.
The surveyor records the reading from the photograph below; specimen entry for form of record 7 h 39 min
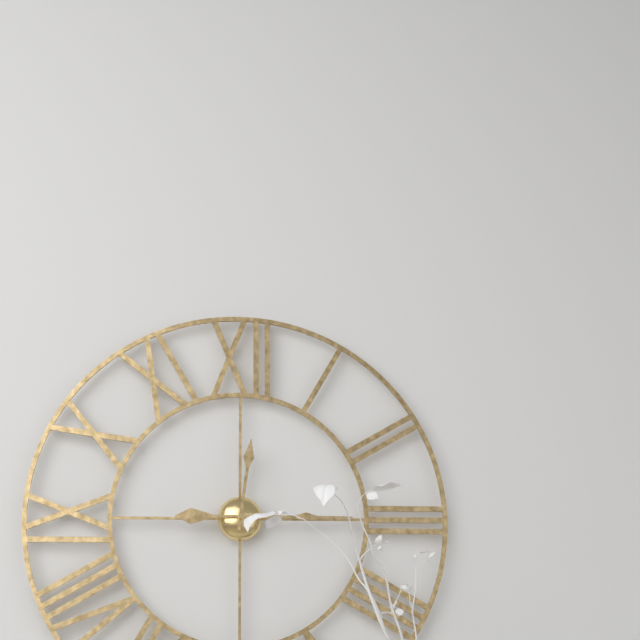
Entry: 12 h 15 min
